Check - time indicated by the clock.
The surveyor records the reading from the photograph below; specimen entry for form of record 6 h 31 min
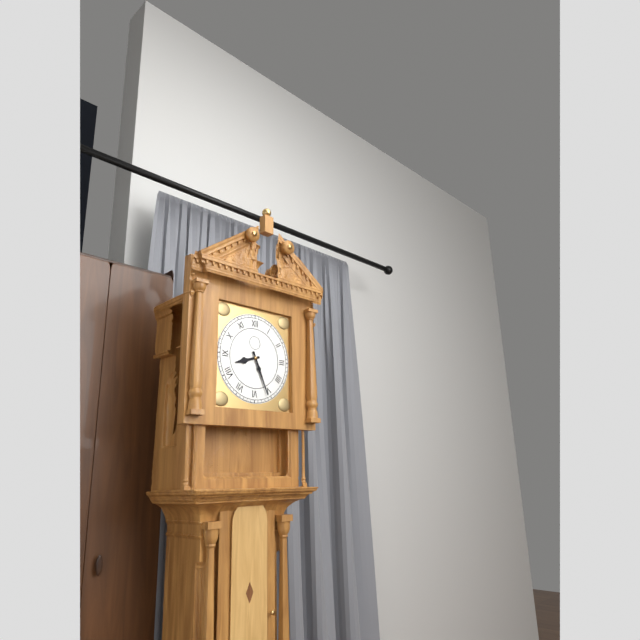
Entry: 8 h 26 min
